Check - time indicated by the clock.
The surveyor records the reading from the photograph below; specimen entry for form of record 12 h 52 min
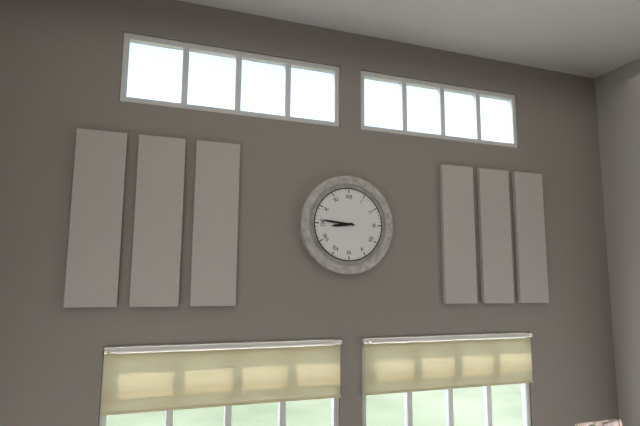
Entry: 8 h 46 min
